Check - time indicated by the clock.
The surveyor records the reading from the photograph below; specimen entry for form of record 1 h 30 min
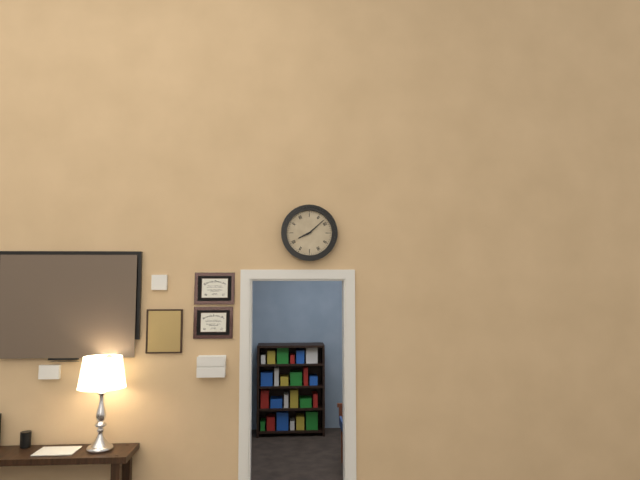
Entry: 8 h 08 min
